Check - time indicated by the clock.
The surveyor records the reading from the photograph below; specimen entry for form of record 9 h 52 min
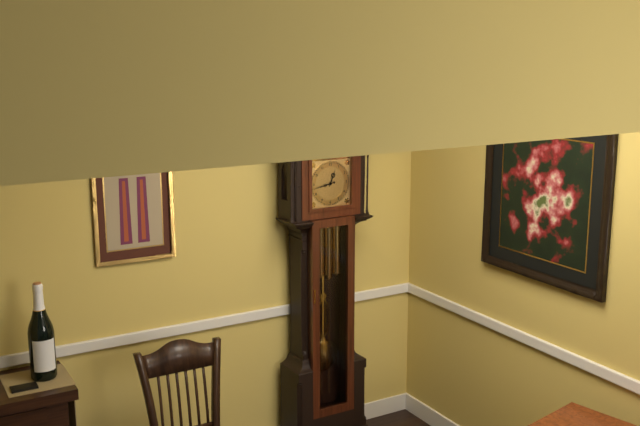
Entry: 12 h 43 min
